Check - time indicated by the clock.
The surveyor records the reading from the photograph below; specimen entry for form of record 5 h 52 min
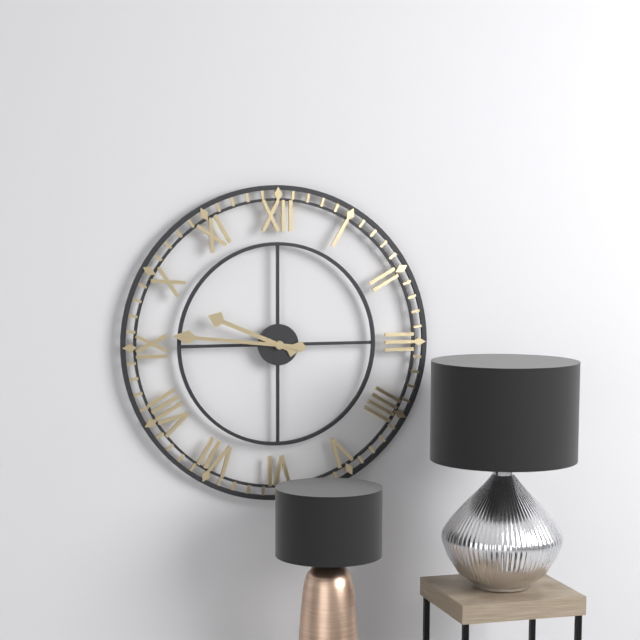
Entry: 9 h 46 min
